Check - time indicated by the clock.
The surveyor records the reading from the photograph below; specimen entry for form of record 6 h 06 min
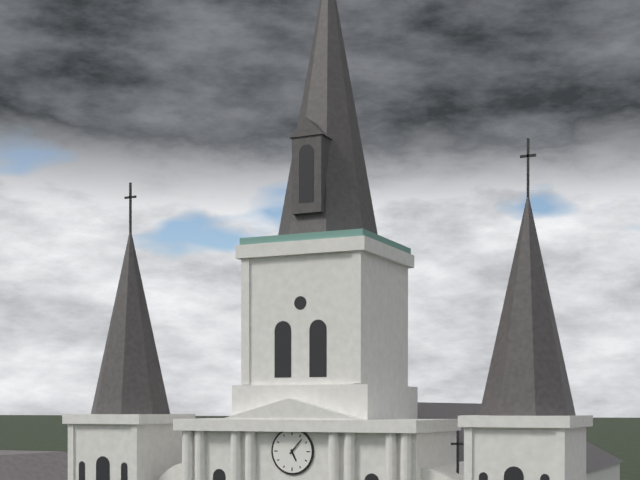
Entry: 5 h 07 min
